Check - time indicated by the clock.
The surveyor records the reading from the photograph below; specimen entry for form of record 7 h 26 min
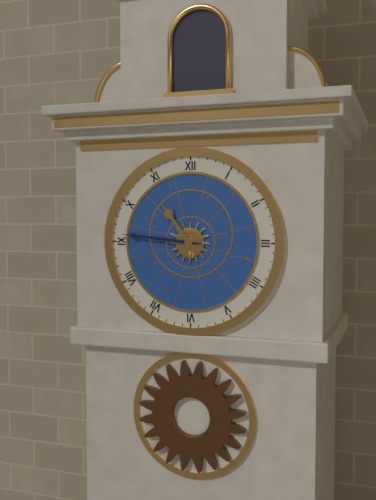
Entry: 10 h 46 min
